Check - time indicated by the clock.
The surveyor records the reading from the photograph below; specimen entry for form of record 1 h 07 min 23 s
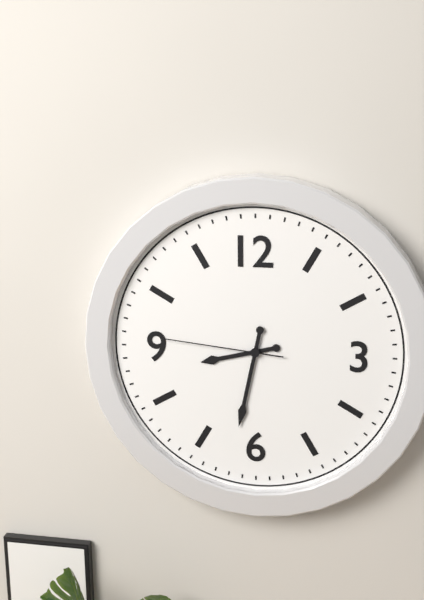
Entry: 8 h 32 min 46 s
